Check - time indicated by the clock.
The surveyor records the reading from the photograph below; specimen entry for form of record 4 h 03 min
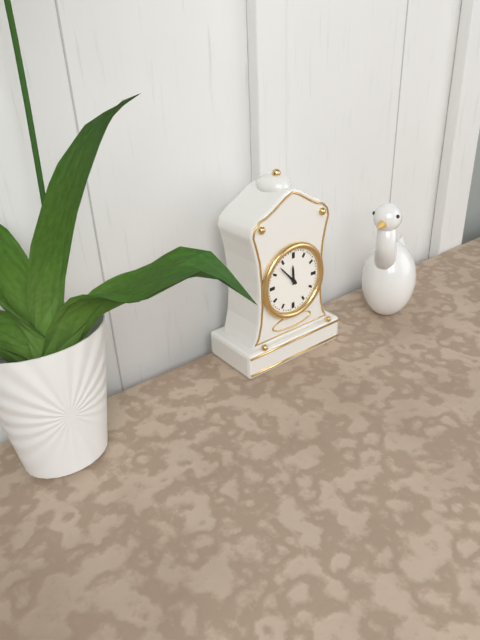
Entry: 11 h 53 min
